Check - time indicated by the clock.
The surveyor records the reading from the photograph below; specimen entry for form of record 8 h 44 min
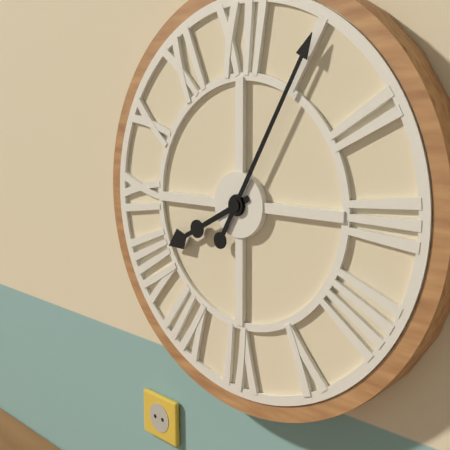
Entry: 8 h 05 min
